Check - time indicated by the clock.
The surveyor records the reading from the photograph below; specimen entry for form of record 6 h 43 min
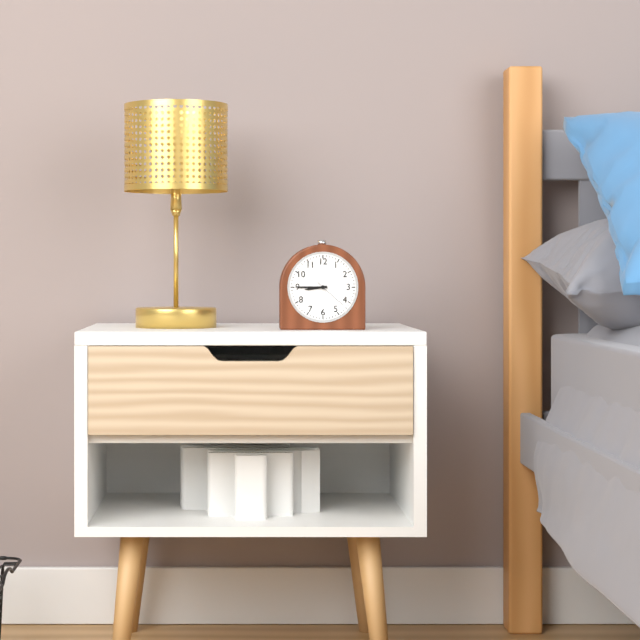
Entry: 8 h 45 min
